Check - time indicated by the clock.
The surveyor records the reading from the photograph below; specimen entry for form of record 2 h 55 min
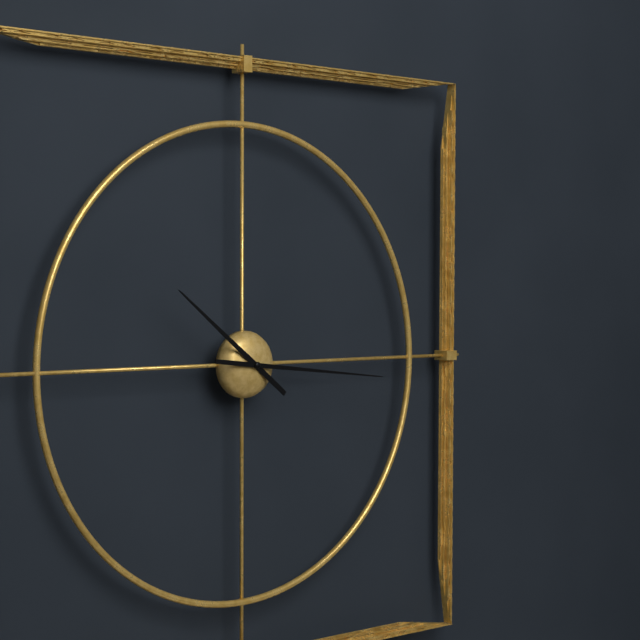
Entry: 10 h 16 min
